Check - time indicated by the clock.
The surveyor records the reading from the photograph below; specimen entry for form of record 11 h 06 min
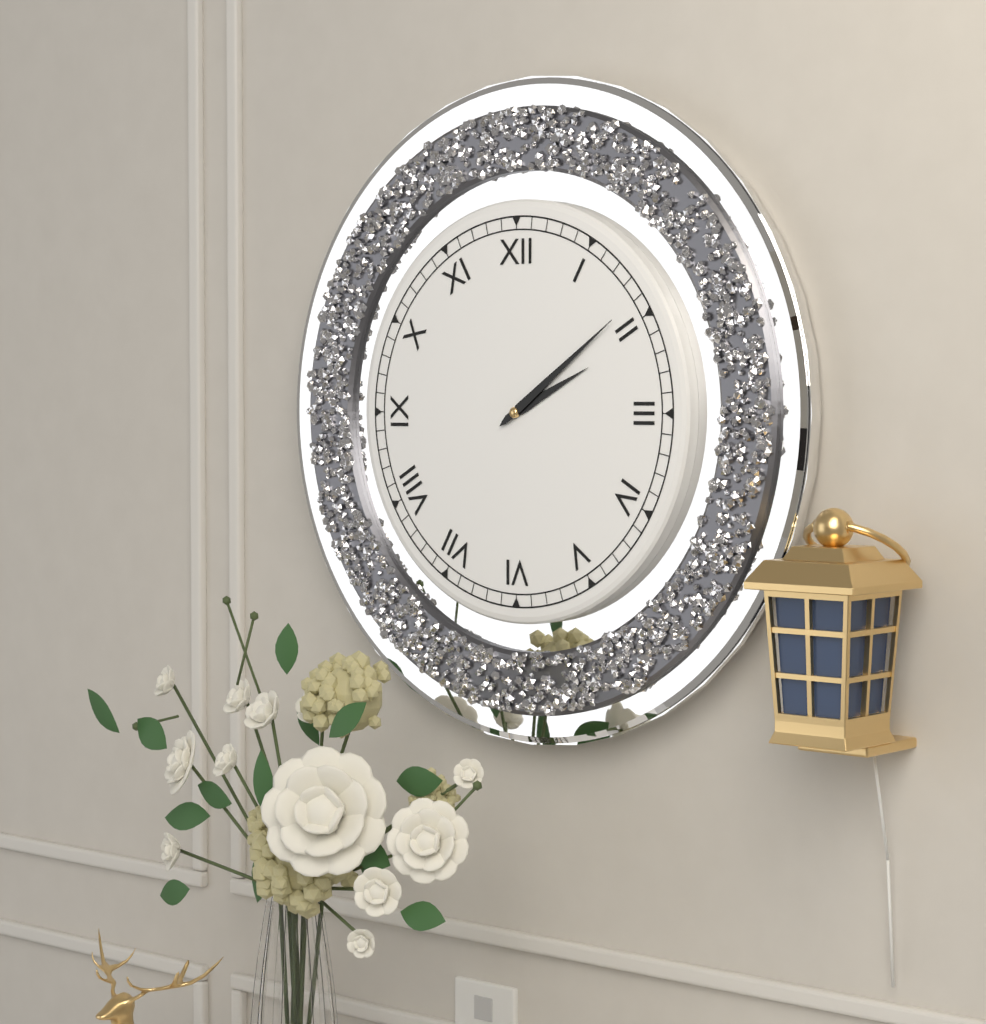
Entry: 2 h 09 min
